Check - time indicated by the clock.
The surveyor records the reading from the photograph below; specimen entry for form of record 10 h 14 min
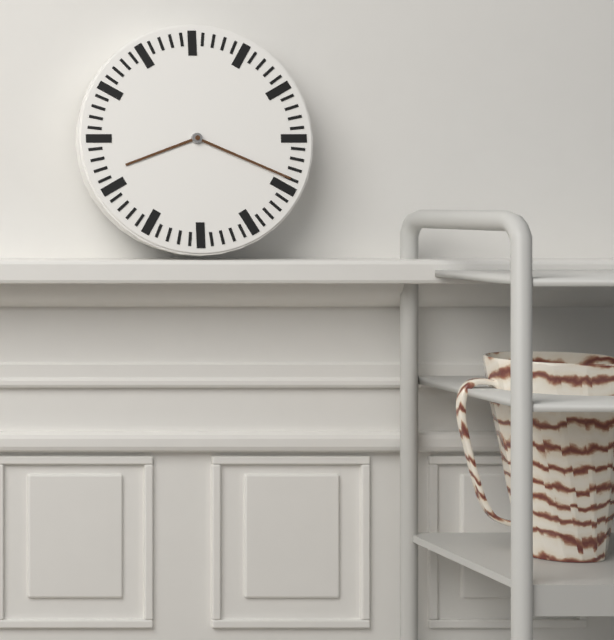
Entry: 8 h 19 min
